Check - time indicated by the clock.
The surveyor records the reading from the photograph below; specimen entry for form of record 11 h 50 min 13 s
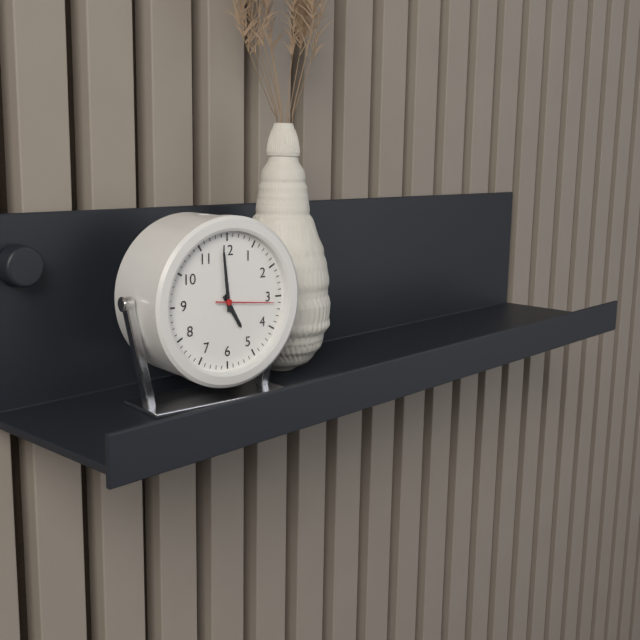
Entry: 4 h 59 min 16 s
